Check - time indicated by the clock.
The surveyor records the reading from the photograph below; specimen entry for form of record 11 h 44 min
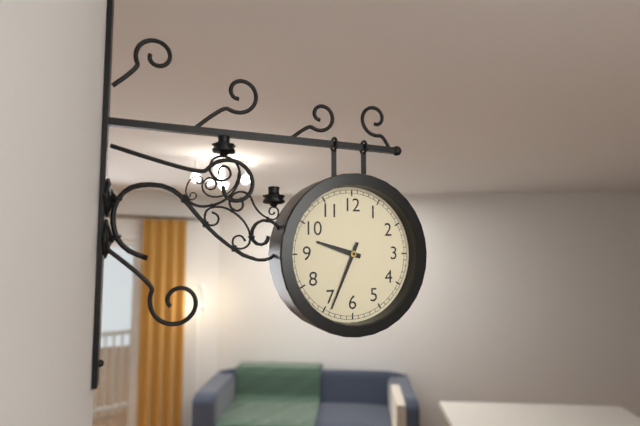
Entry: 9 h 34 min
